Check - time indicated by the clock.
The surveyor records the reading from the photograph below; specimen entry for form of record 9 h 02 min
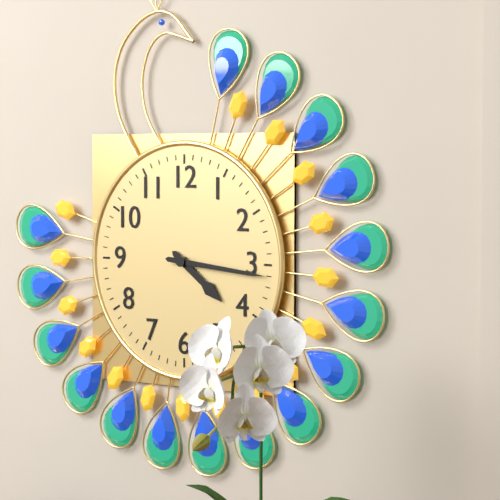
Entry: 4 h 16 min
